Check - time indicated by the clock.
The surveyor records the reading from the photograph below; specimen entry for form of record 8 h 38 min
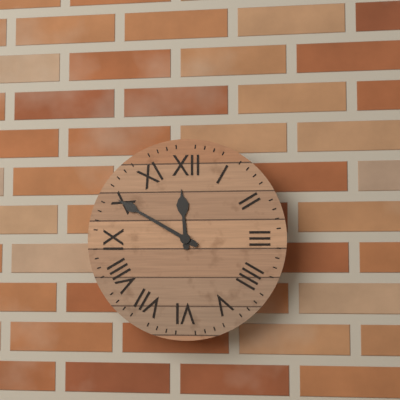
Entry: 11 h 50 min
